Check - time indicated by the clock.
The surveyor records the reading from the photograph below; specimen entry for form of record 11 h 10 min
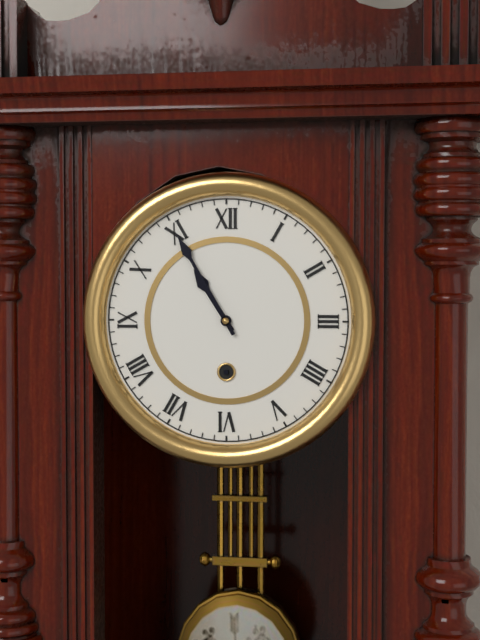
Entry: 10 h 55 min
